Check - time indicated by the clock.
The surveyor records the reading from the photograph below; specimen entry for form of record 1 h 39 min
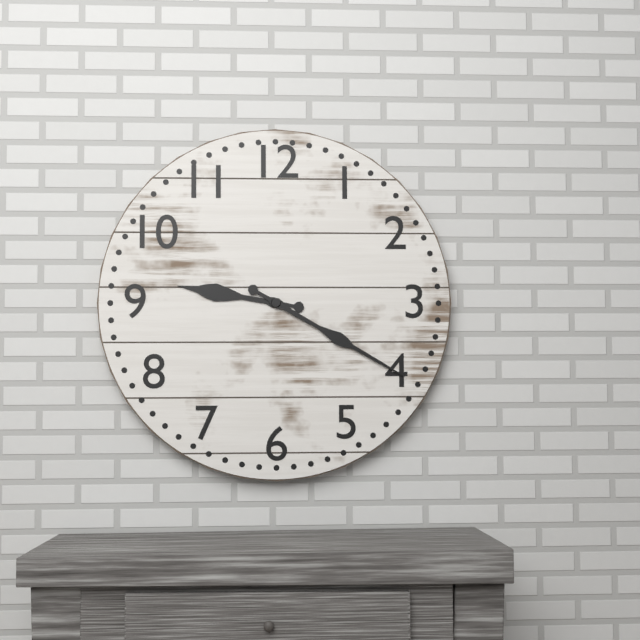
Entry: 9 h 20 min
